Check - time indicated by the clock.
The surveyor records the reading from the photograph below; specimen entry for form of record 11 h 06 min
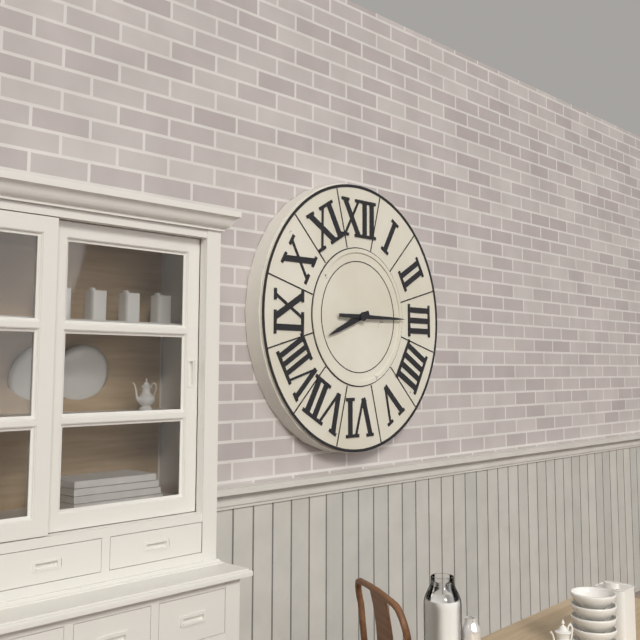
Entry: 8 h 15 min
